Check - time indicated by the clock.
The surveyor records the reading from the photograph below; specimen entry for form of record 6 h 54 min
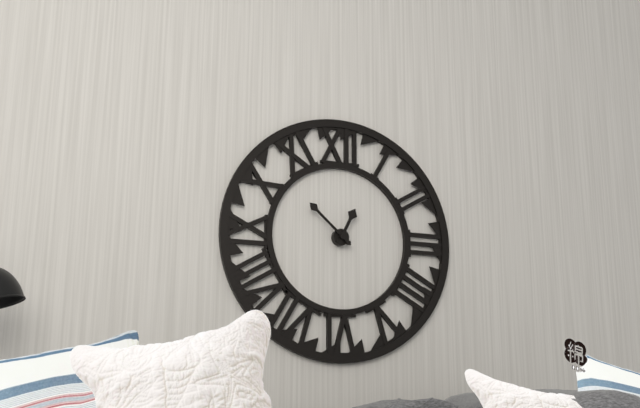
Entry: 12 h 52 min
